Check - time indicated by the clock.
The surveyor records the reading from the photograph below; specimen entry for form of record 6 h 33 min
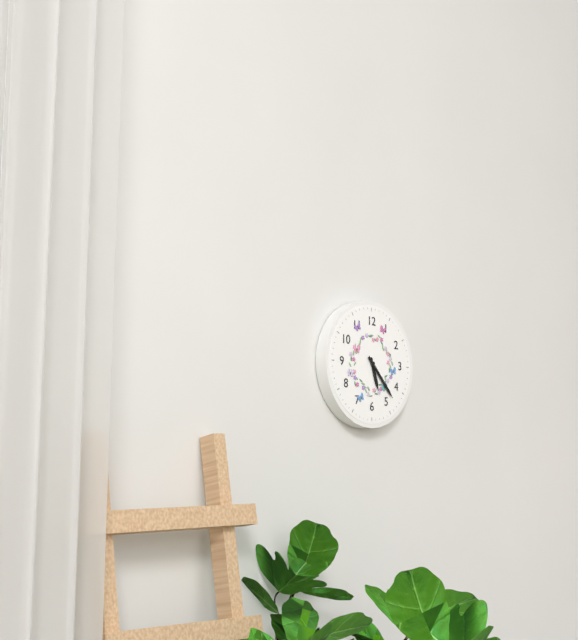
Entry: 5 h 23 min
